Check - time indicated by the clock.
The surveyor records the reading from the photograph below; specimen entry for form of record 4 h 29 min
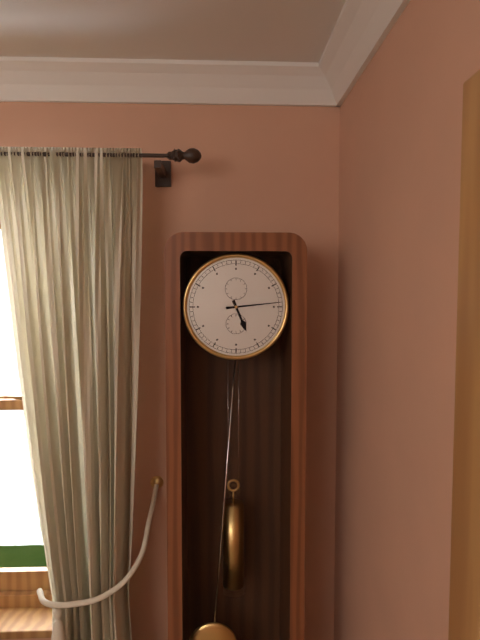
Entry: 5 h 14 min
